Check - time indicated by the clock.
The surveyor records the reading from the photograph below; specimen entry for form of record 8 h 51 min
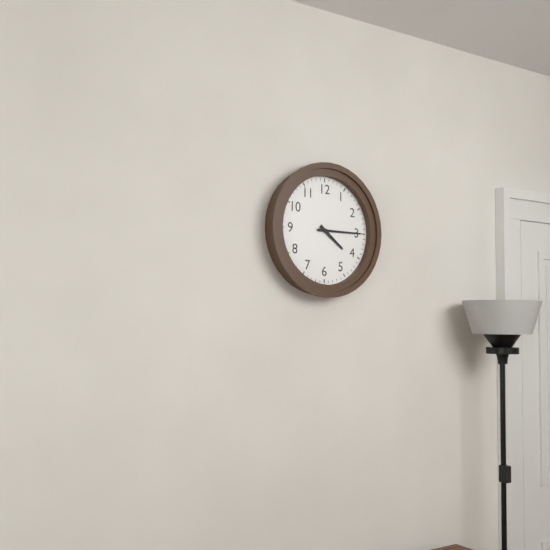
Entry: 4 h 15 min
